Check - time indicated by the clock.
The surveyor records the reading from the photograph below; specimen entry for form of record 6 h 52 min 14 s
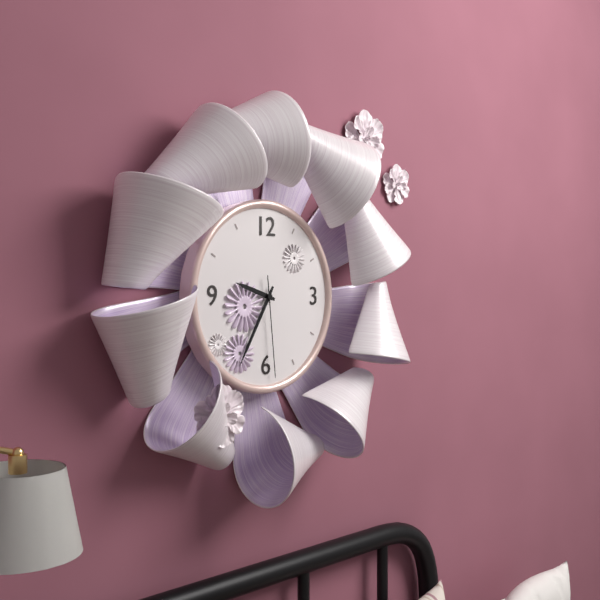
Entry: 9 h 35 min 29 s
